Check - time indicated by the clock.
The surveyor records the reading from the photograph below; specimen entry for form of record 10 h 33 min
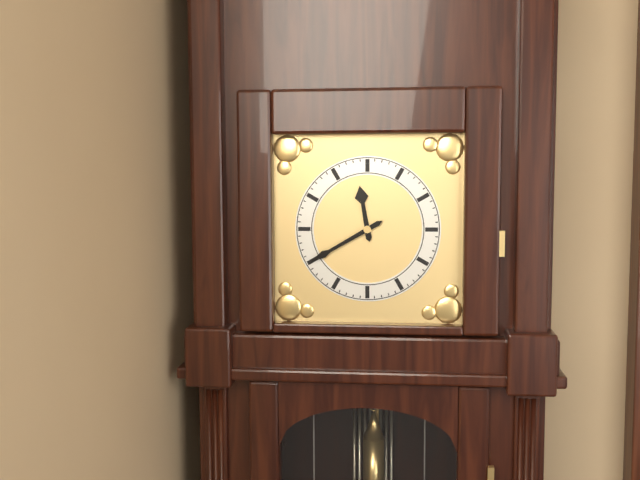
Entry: 11 h 40 min
